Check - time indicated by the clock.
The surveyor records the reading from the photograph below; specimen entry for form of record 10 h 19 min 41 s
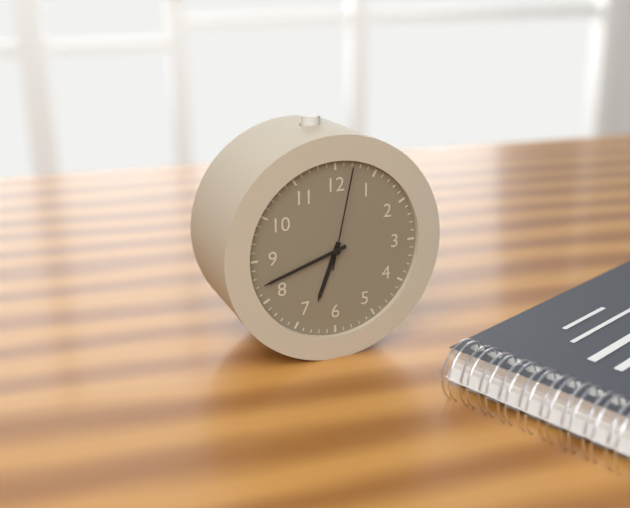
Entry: 6 h 42 min 02 s
